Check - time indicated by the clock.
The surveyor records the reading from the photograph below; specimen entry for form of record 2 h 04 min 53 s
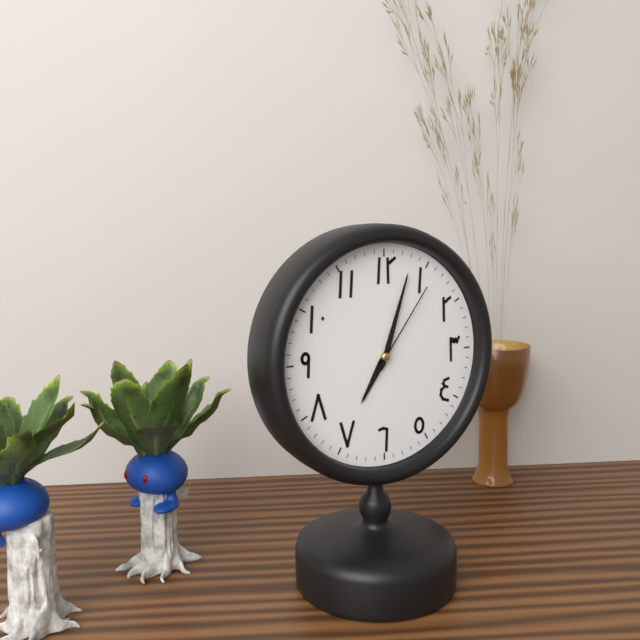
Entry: 7 h 03 min 06 s
